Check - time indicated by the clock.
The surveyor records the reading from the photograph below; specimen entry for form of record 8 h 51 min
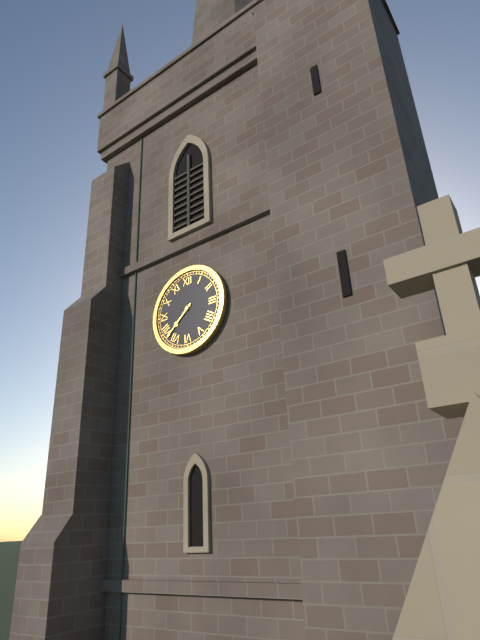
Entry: 7 h 38 min
